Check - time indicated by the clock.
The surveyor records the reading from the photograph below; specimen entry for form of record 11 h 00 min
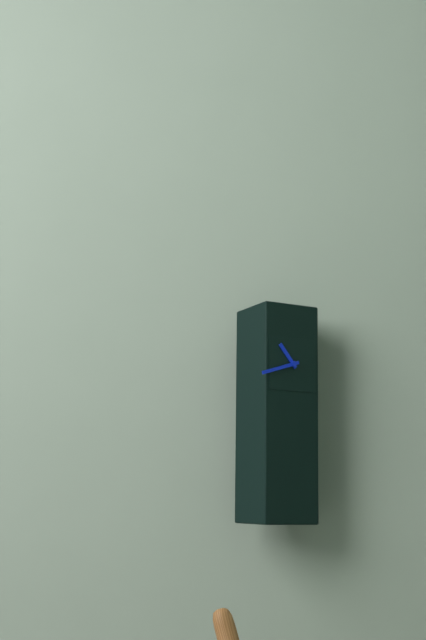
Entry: 10 h 42 min
